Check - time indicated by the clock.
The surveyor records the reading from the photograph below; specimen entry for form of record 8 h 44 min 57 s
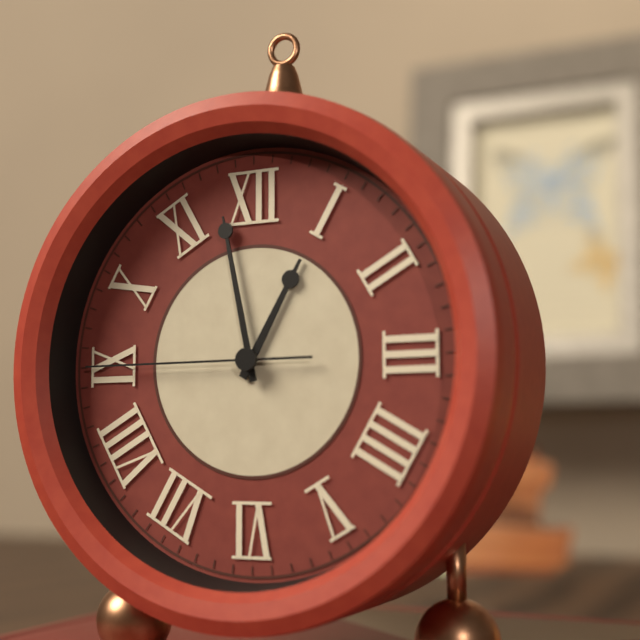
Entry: 12 h 58 min 45 s
